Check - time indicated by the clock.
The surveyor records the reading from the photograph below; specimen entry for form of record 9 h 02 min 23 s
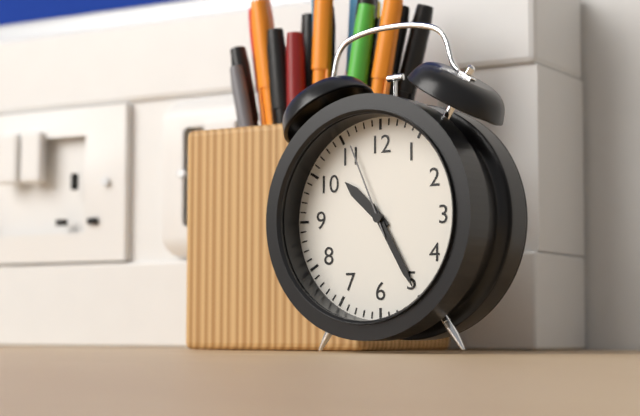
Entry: 10 h 25 min 56 s
